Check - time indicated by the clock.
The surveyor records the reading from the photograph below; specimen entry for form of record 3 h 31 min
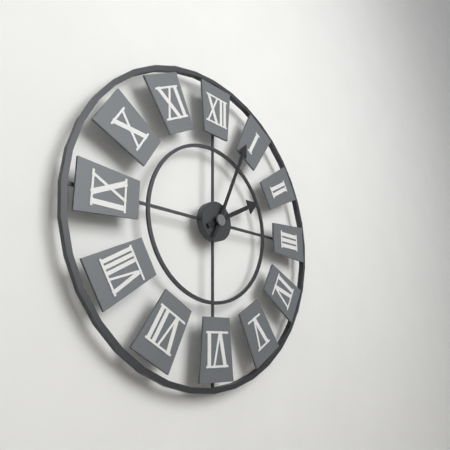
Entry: 2 h 04 min
